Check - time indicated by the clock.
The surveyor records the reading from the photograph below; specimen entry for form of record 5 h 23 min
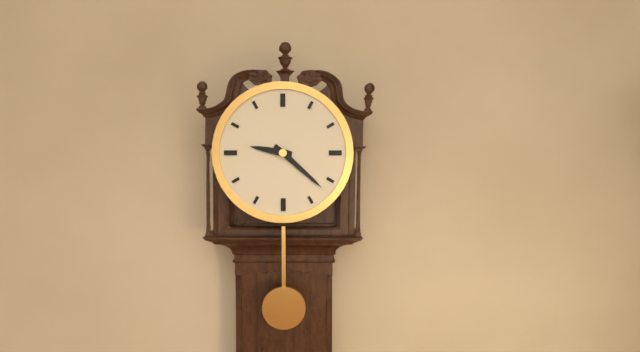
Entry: 9 h 22 min
